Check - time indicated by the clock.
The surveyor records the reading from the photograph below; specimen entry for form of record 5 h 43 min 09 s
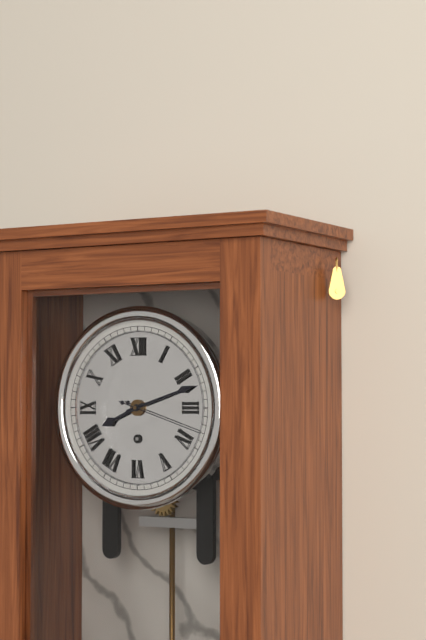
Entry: 8 h 12 min 18 s
